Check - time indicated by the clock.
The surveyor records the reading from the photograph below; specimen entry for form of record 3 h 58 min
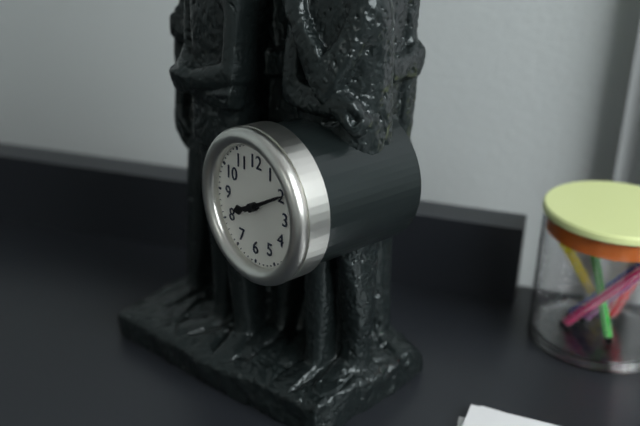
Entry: 8 h 10 min
